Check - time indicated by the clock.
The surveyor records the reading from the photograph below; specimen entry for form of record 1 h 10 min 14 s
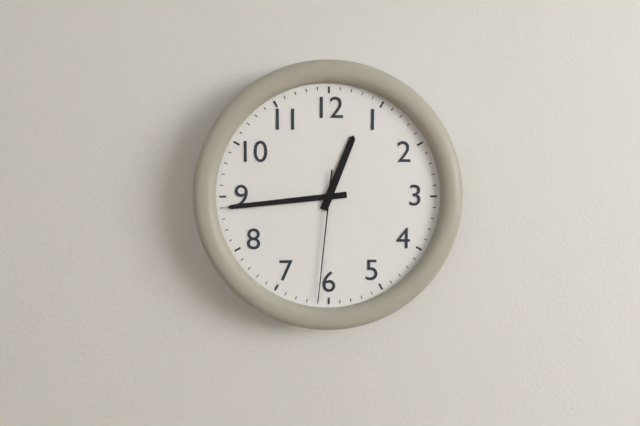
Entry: 12 h 44 min 31 s
